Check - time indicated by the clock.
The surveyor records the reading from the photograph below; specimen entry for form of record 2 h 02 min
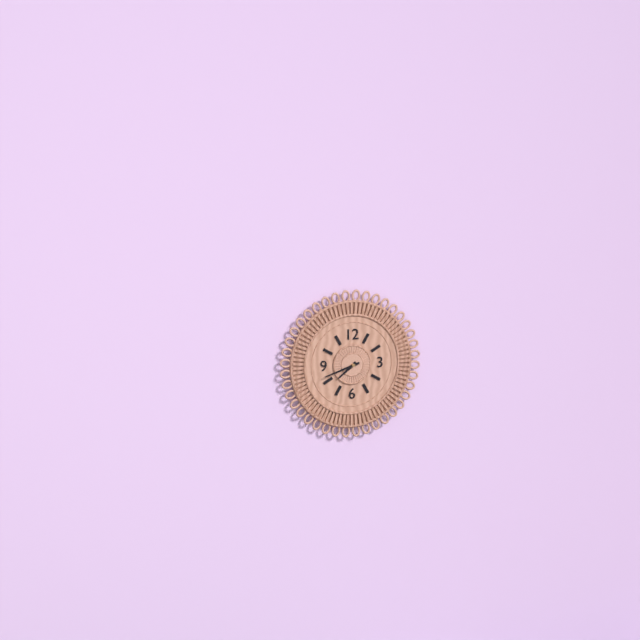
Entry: 7 h 42 min
